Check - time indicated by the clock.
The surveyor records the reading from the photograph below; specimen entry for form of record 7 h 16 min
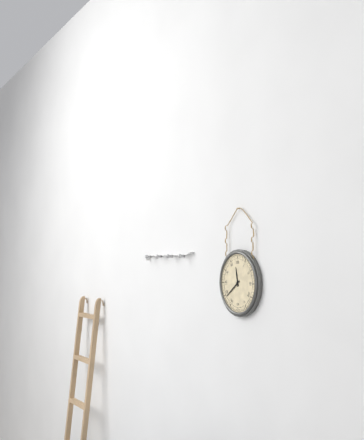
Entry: 11 h 39 min
